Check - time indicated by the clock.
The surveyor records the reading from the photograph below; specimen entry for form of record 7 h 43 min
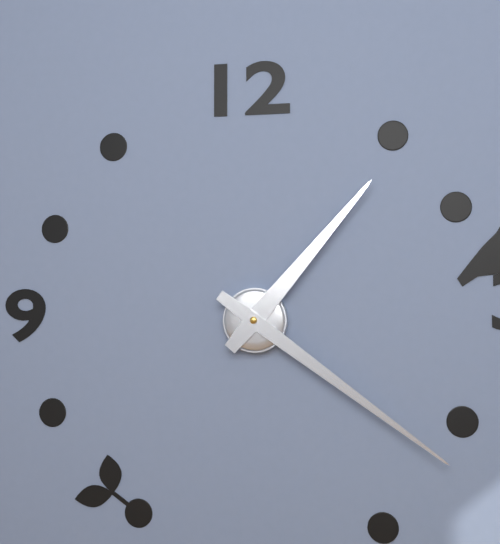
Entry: 1 h 21 min
